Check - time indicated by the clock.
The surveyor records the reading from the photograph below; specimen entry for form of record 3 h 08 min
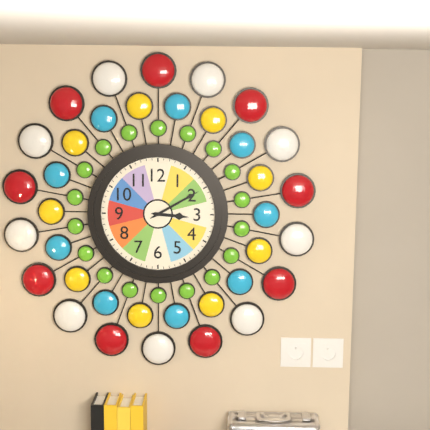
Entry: 3 h 10 min
